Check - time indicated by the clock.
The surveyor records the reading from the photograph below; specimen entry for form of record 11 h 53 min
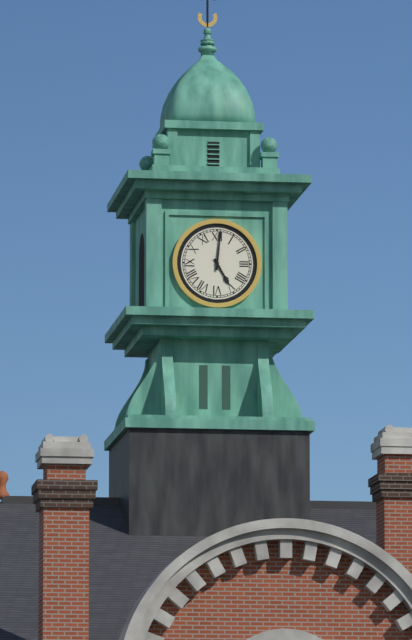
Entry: 5 h 01 min
